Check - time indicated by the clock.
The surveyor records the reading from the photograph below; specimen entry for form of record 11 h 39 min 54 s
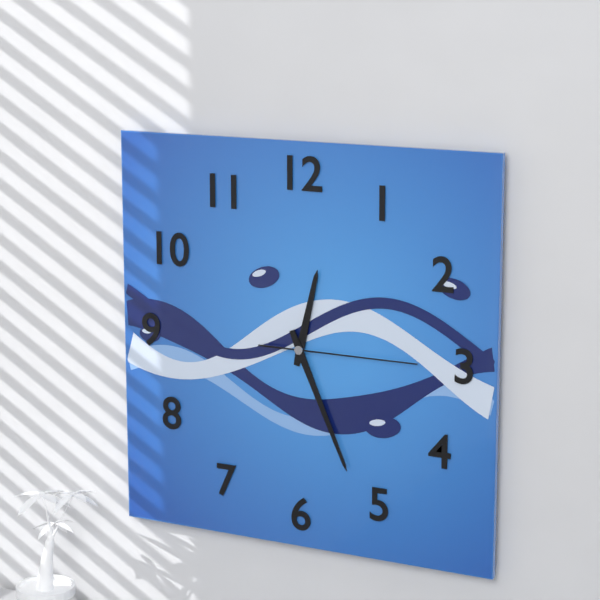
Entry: 12 h 26 min 15 s
